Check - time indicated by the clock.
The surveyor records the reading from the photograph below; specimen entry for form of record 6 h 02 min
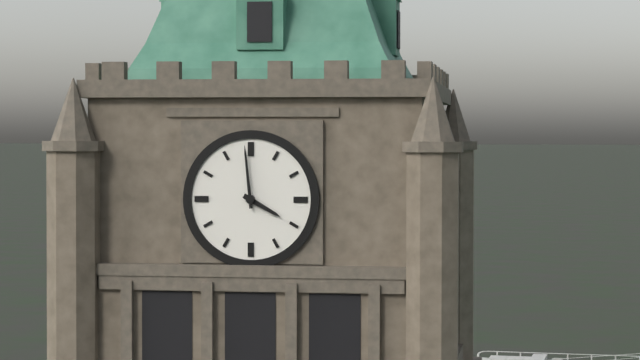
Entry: 3 h 59 min
